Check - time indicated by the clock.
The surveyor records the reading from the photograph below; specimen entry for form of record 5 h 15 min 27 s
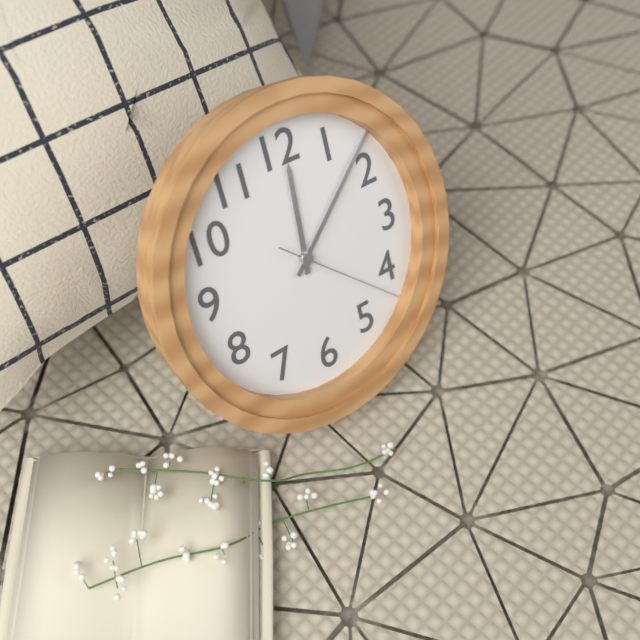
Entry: 12 h 08 min 22 s
